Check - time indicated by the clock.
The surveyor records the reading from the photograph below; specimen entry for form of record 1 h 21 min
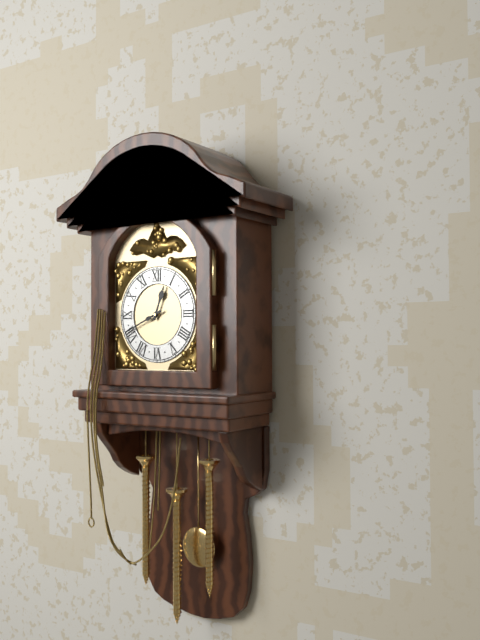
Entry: 12 h 41 min
